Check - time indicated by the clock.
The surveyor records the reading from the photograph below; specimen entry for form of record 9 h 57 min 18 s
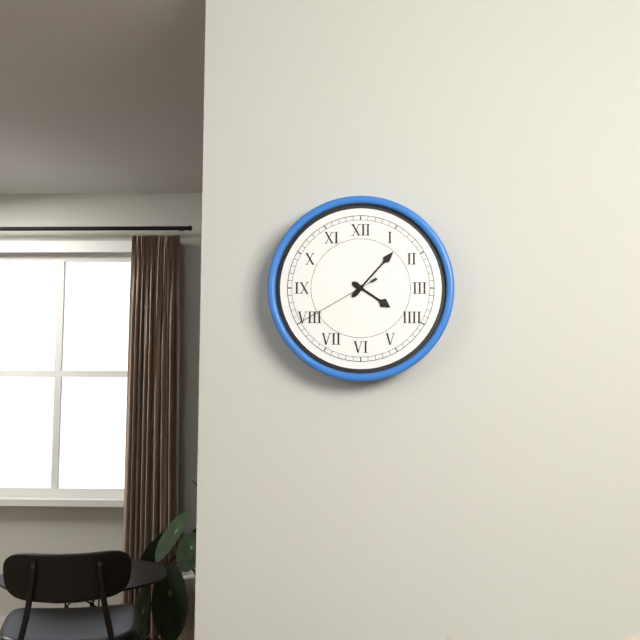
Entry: 4 h 07 min 40 s
